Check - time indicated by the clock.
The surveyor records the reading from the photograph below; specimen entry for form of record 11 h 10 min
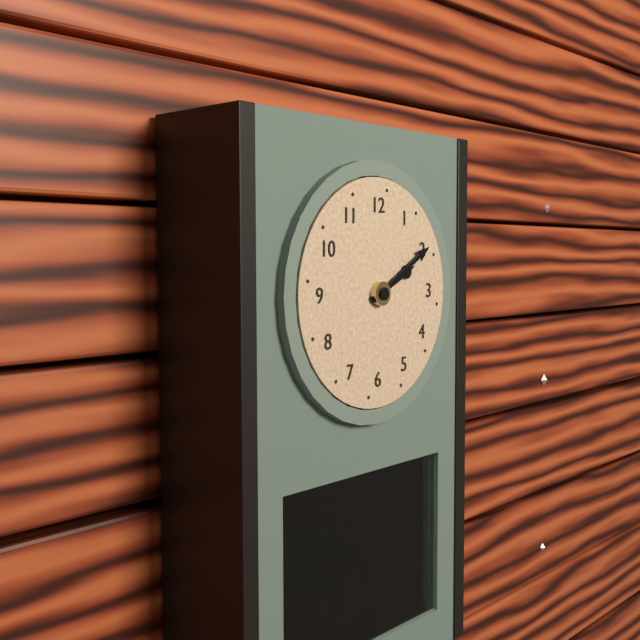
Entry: 2 h 10 min
